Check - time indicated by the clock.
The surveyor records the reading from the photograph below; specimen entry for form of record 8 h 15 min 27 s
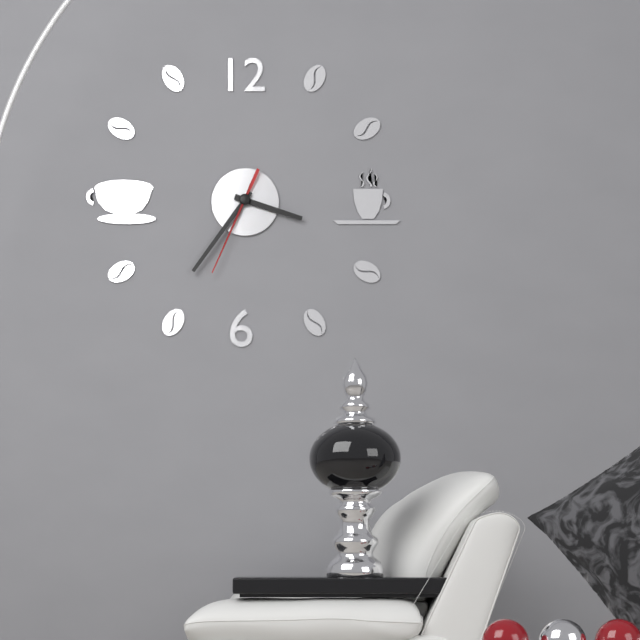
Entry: 3 h 36 min 34 s
